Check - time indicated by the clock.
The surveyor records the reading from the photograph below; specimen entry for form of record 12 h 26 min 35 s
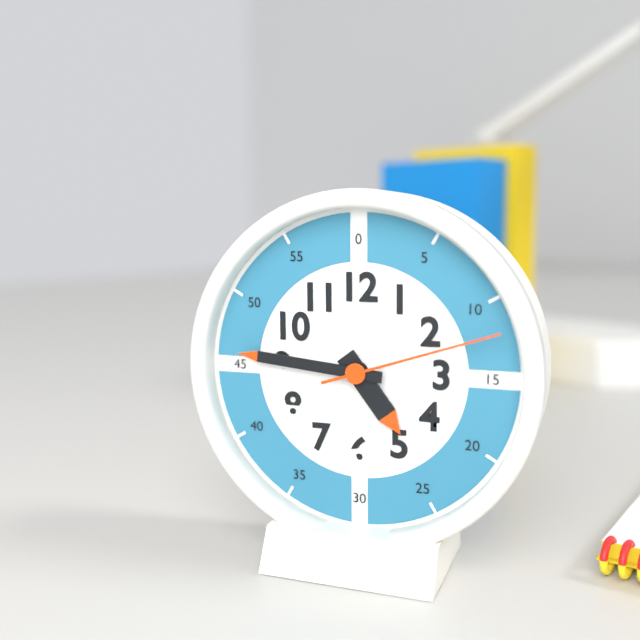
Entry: 4 h 46 min 12 s
